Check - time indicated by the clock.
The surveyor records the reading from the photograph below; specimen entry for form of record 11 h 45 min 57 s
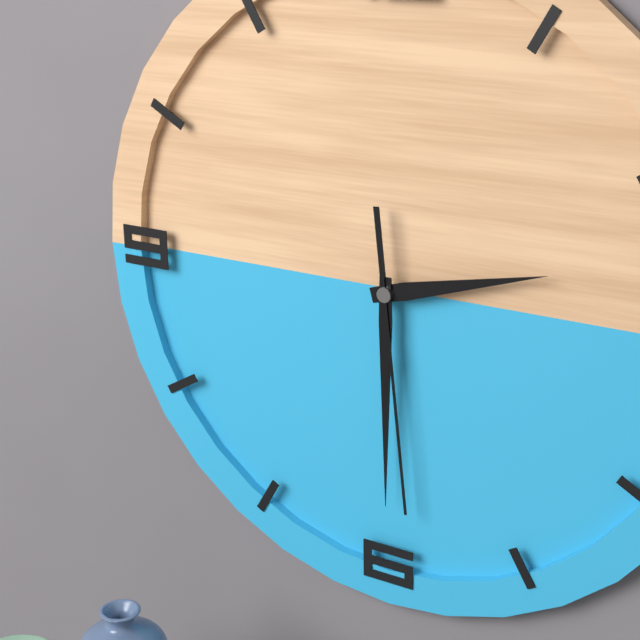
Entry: 2 h 30 min 29 s
